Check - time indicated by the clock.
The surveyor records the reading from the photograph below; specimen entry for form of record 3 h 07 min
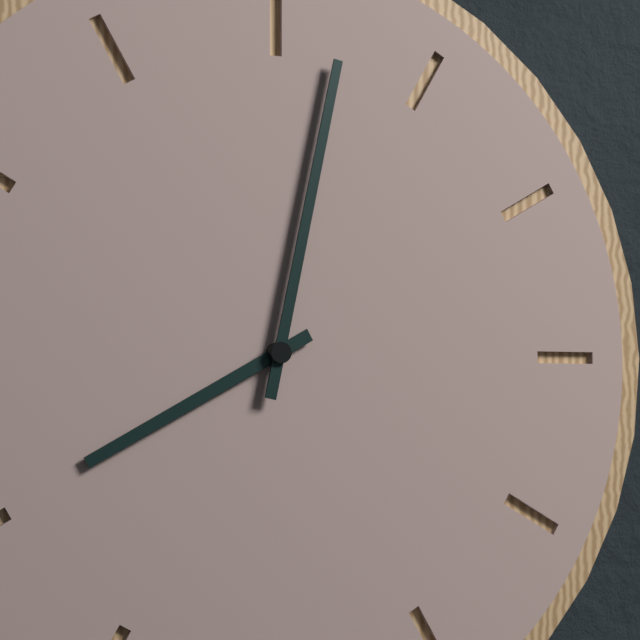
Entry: 8 h 02 min
